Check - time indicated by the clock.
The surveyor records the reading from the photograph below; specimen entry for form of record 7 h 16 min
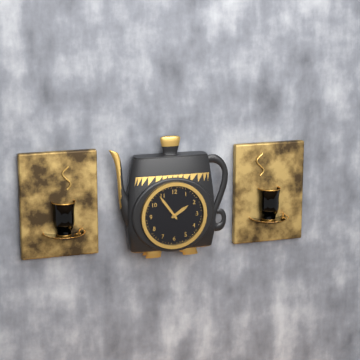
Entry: 1 h 54 min
